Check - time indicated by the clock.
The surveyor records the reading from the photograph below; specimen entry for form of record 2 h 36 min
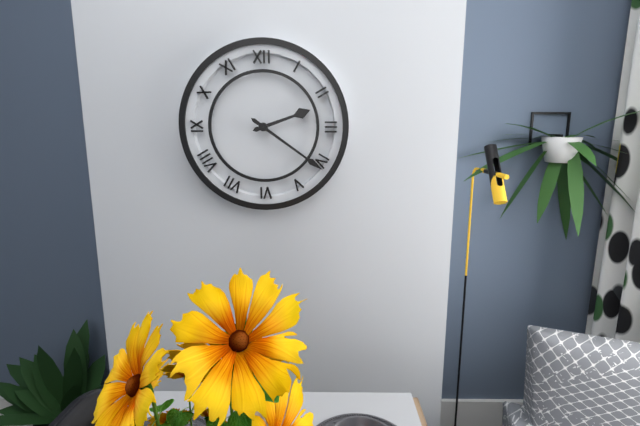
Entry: 2 h 21 min
